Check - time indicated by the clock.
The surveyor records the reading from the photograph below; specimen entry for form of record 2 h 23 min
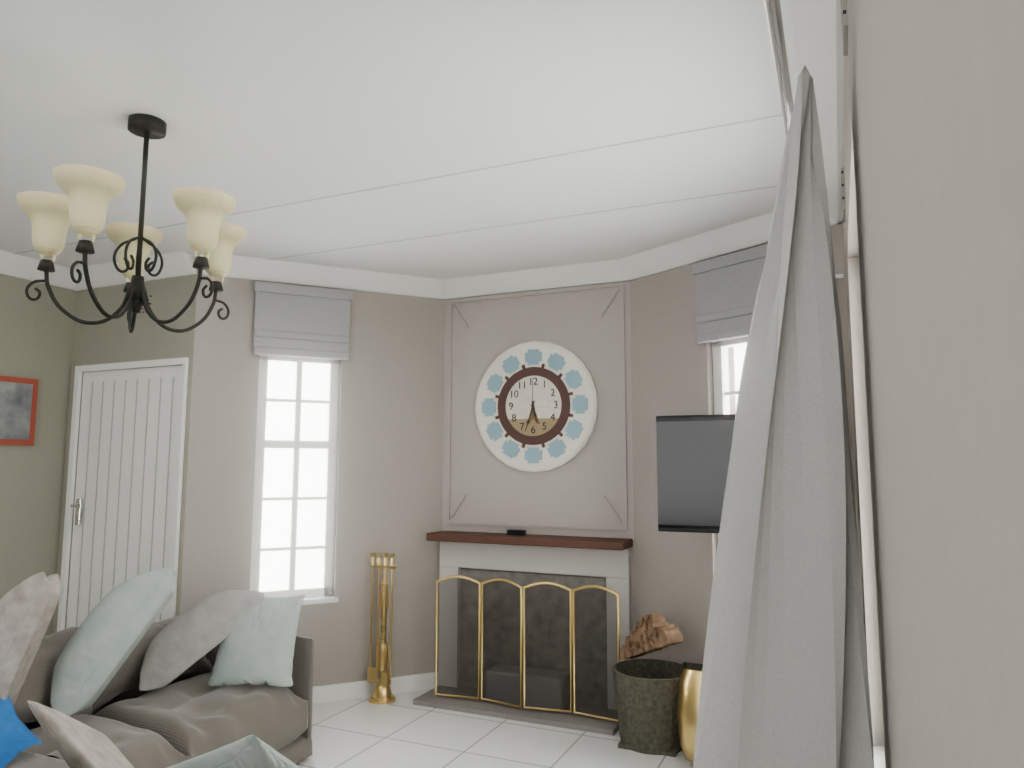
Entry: 5 h 33 min
